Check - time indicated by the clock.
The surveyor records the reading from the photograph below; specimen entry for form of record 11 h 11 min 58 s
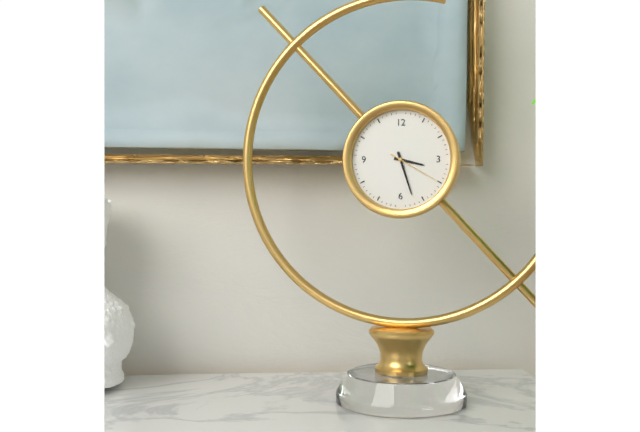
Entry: 3 h 27 min 20 s
